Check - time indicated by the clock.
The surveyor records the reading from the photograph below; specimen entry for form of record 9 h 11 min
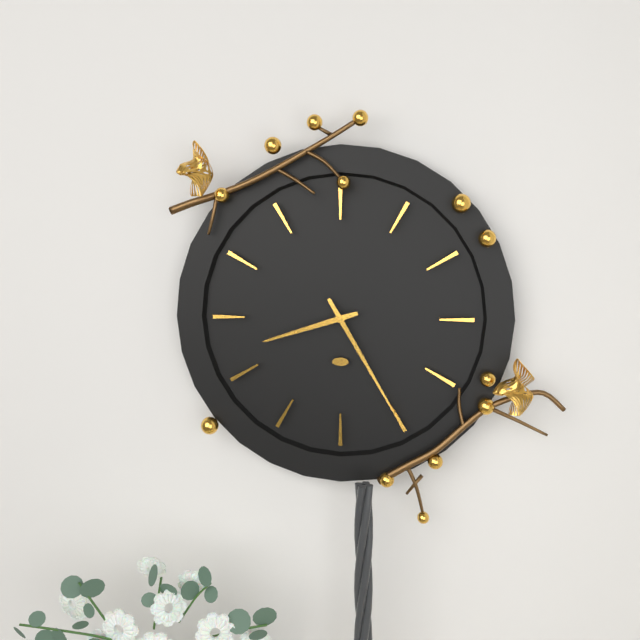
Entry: 8 h 25 min
